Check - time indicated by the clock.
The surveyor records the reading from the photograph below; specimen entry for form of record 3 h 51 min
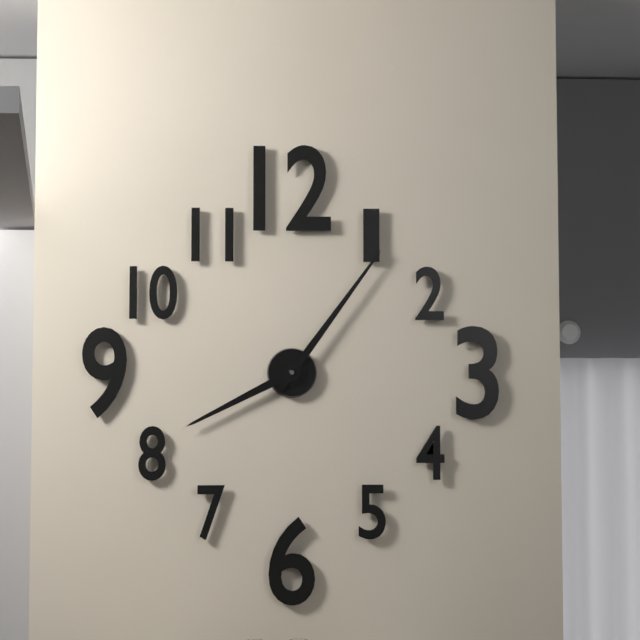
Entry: 8 h 06 min
